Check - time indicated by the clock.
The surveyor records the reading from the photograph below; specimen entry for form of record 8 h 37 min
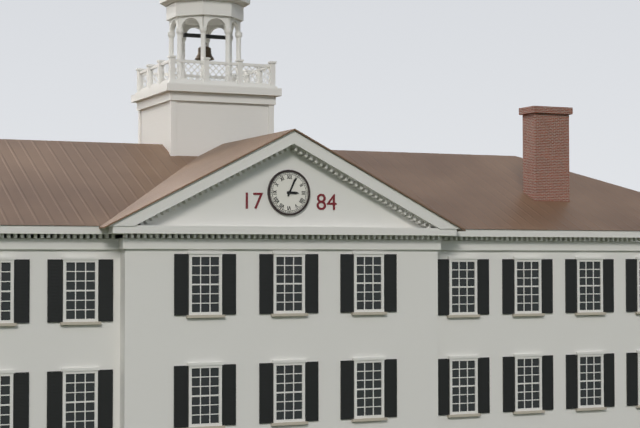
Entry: 3 h 04 min
